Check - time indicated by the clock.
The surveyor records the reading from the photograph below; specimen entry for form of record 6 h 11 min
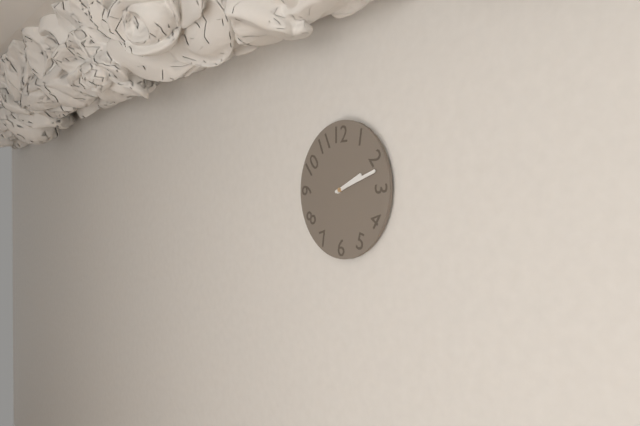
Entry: 2 h 12 min
